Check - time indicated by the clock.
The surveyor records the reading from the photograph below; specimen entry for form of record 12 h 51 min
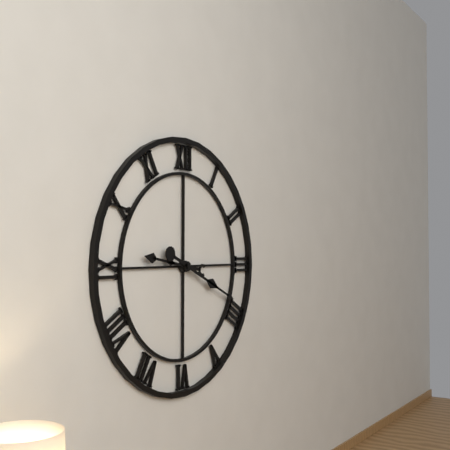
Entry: 9 h 19 min
